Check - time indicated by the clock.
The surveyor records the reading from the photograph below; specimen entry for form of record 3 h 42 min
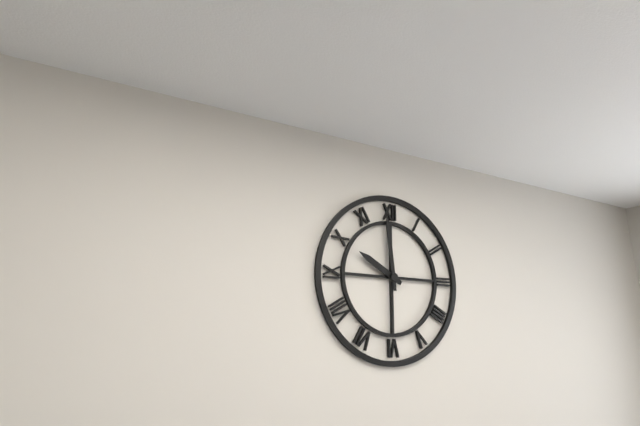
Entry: 9 h 59 min
